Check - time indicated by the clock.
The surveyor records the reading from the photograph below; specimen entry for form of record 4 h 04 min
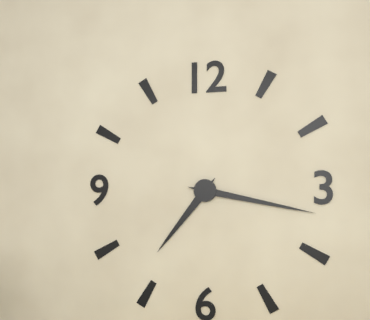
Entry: 7 h 17 min
